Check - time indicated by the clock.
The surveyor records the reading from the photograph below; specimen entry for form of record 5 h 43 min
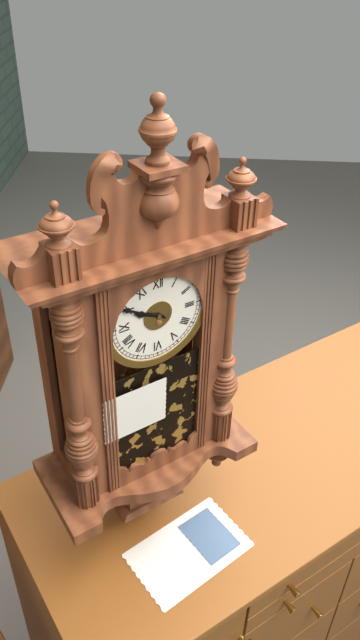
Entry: 9 h 50 min
